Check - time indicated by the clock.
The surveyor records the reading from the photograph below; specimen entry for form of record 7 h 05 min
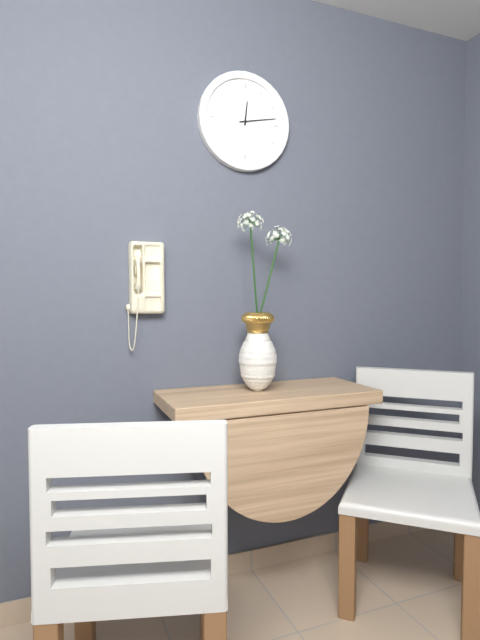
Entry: 12 h 13 min
